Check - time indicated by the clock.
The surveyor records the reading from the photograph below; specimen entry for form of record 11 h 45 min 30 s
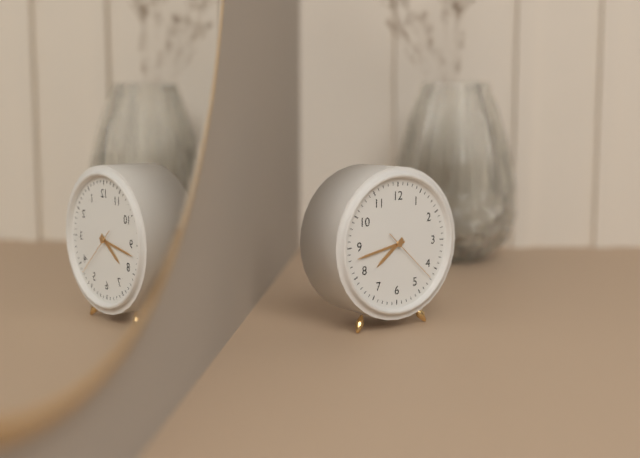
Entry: 7 h 43 min 22 s
